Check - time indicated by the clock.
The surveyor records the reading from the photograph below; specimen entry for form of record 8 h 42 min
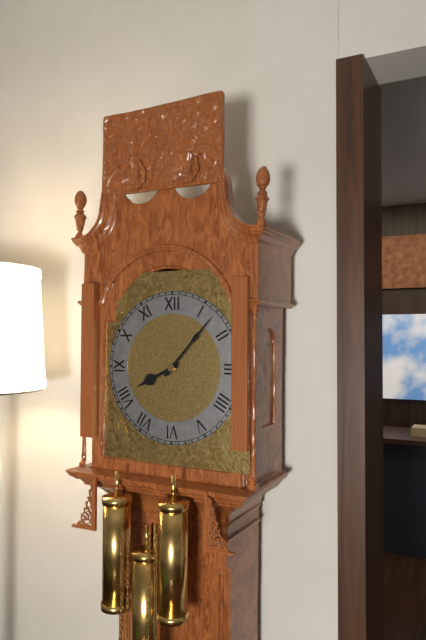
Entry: 8 h 07 min
